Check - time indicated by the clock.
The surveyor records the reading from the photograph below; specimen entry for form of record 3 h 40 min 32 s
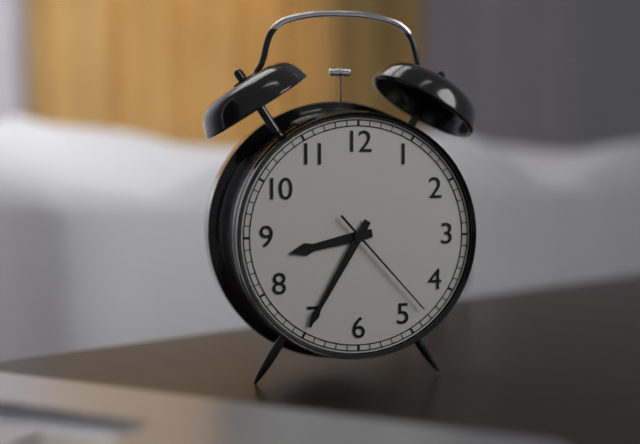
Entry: 8 h 35 min 23 s
